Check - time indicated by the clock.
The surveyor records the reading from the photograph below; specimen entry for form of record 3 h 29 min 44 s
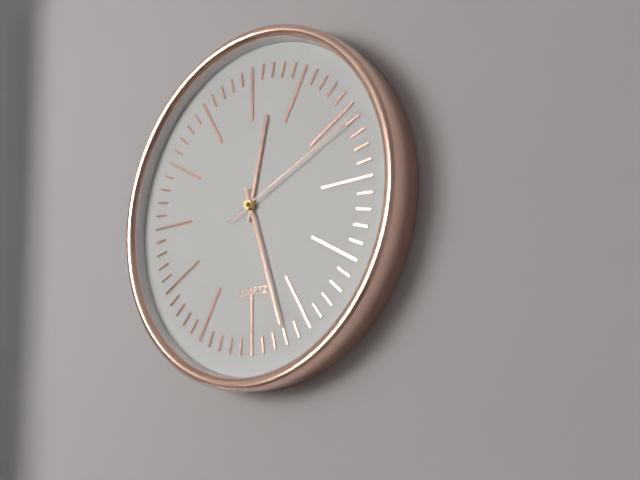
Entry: 12 h 27 min 11 s
